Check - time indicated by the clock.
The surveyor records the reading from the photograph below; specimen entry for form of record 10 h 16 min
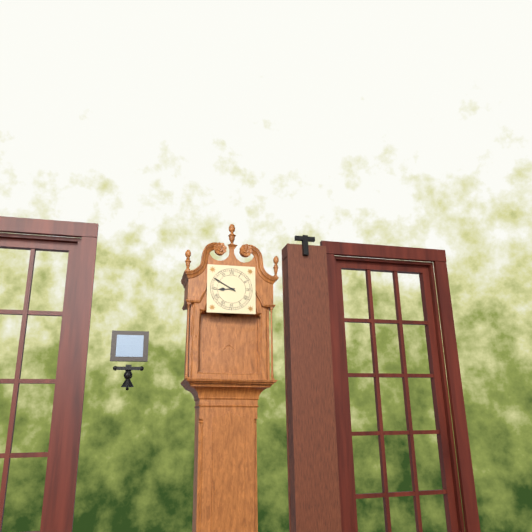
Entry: 8 h 50 min
